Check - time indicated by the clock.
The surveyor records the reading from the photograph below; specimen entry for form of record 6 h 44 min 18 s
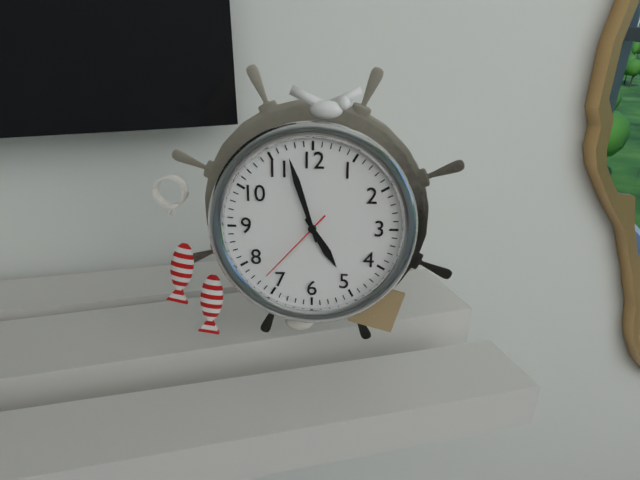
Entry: 4 h 57 min 37 s
